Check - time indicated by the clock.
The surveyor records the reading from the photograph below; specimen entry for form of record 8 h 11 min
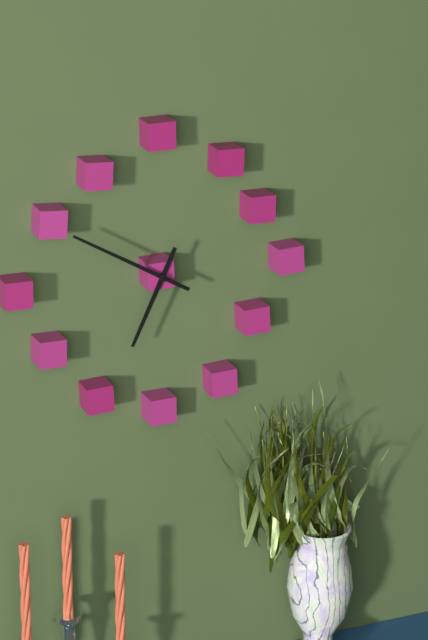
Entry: 6 h 50 min
